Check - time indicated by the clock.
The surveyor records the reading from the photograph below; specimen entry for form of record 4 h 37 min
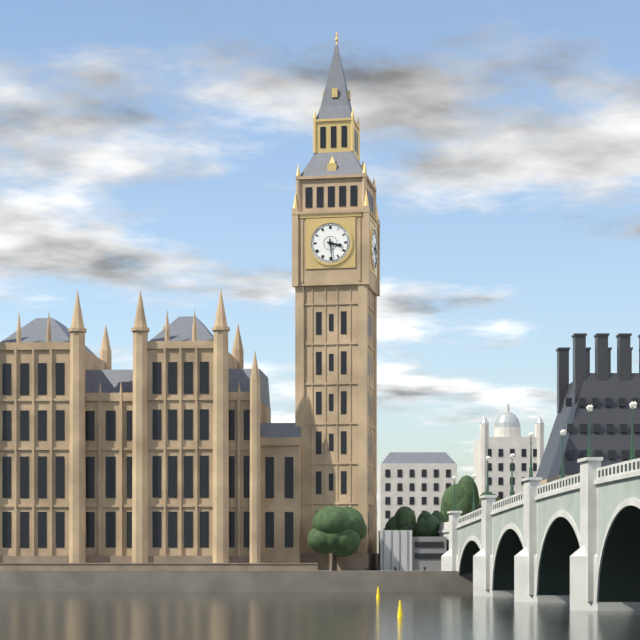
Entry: 3 h 29 min
